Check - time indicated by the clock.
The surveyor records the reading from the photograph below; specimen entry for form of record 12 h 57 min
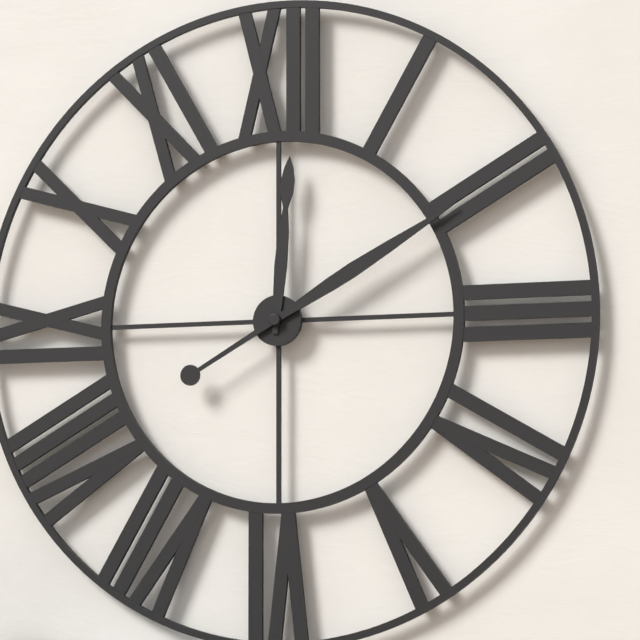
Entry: 12 h 10 min
